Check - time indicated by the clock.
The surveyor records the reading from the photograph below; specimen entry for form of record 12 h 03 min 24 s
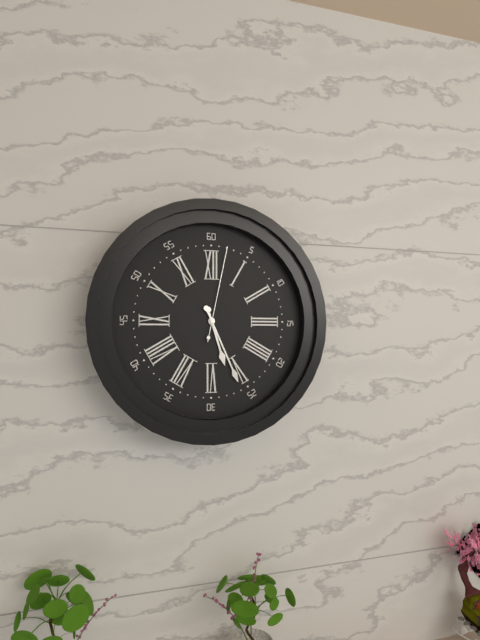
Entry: 5 h 26 min 02 s
